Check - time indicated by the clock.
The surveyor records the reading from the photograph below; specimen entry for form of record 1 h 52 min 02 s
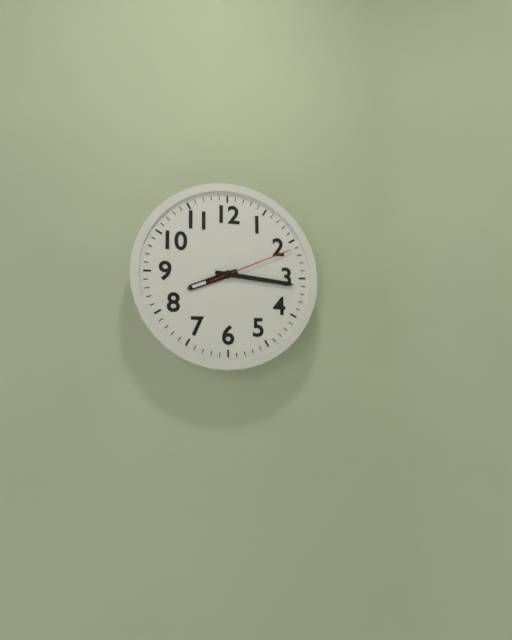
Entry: 8 h 16 min 11 s
